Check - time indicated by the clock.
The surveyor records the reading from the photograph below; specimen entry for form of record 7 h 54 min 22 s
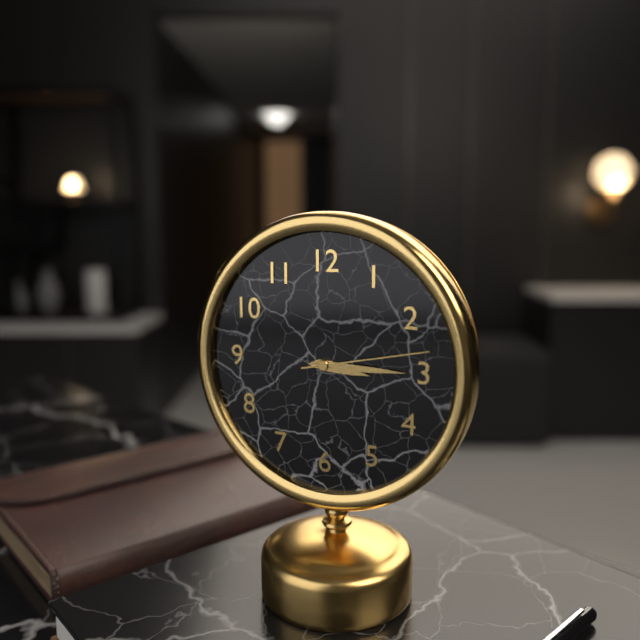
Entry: 3 h 15 min 13 s
